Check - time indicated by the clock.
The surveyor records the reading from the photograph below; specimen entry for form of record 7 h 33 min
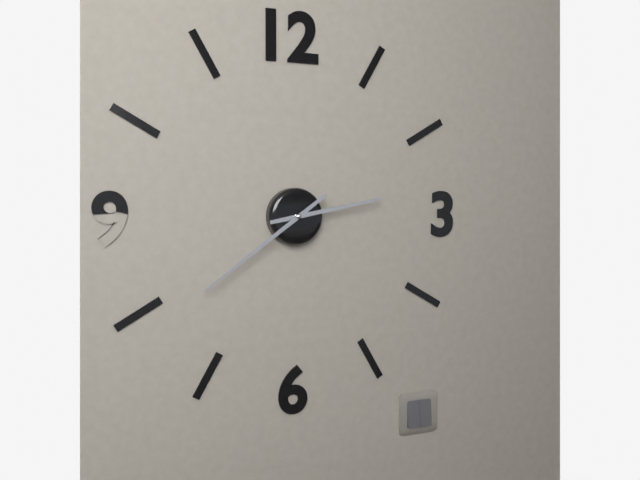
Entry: 2 h 39 min
